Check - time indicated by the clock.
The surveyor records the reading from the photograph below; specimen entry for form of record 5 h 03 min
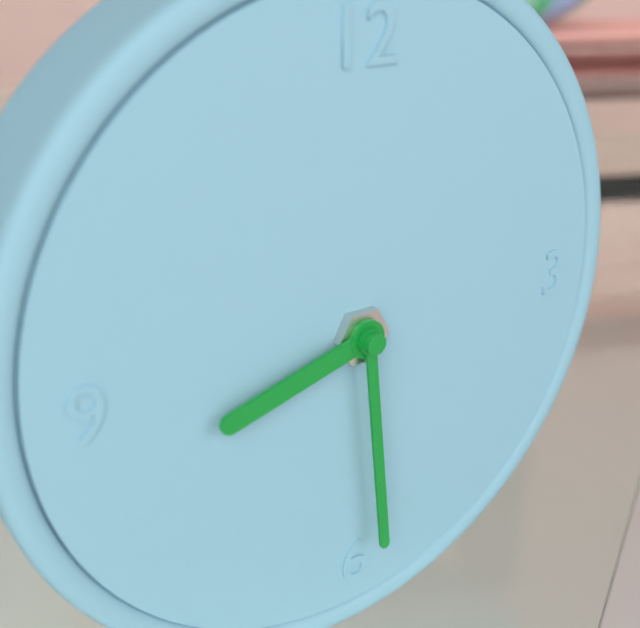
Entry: 8 h 29 min
